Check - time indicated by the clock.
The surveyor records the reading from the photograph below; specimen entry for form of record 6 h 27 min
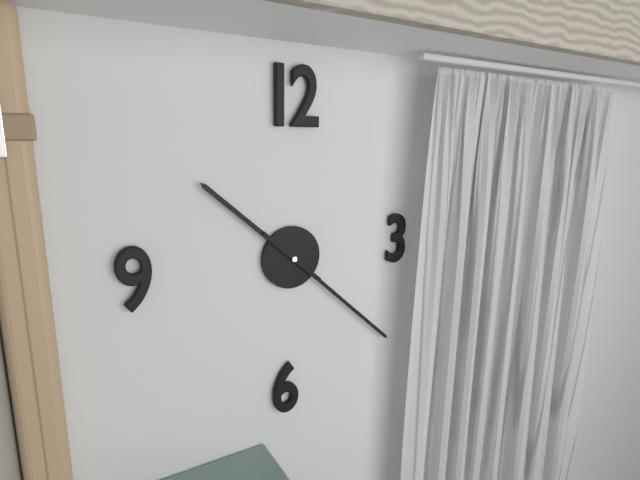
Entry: 10 h 22 min
